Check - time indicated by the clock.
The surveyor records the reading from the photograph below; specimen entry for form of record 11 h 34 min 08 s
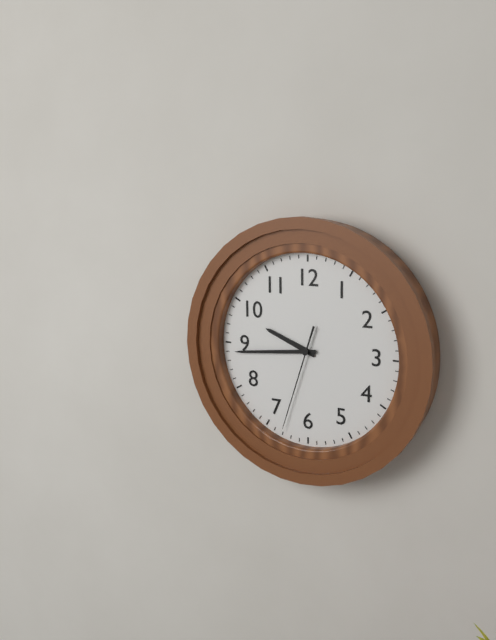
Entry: 9 h 44 min 33 s
